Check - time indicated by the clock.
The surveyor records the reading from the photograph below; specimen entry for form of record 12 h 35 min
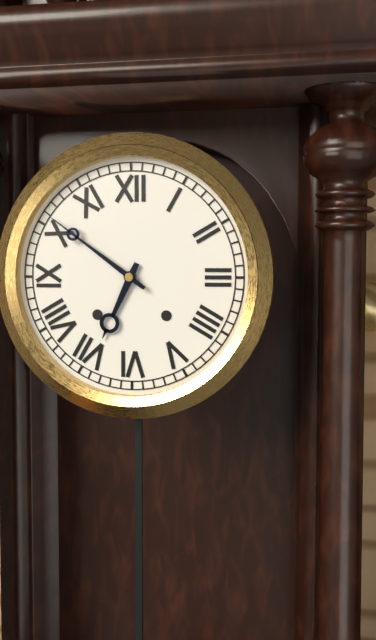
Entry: 6 h 51 min
